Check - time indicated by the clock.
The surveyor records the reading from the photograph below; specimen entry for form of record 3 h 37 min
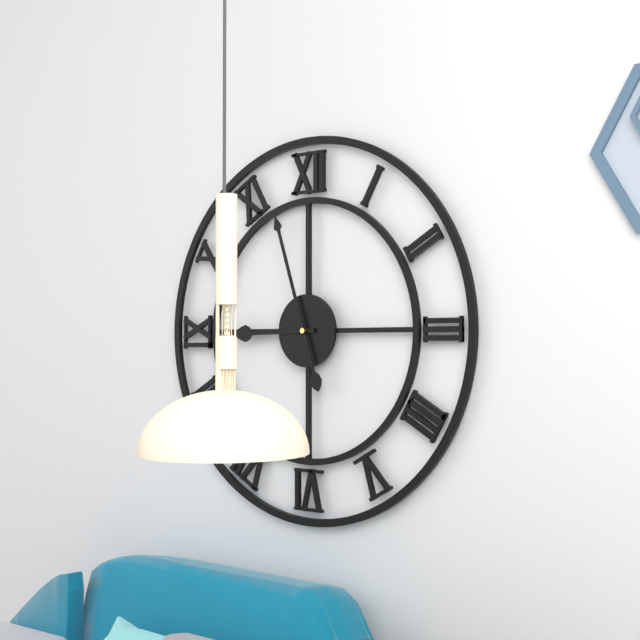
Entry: 8 h 57 min
